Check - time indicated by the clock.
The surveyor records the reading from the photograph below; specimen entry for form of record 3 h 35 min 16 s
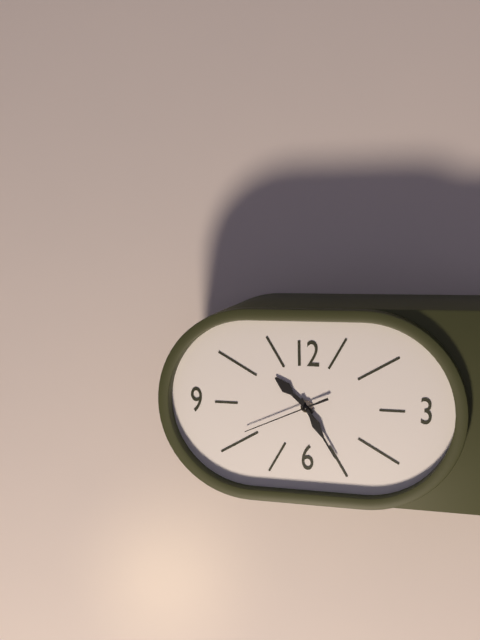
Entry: 10 h 25 min 41 s
